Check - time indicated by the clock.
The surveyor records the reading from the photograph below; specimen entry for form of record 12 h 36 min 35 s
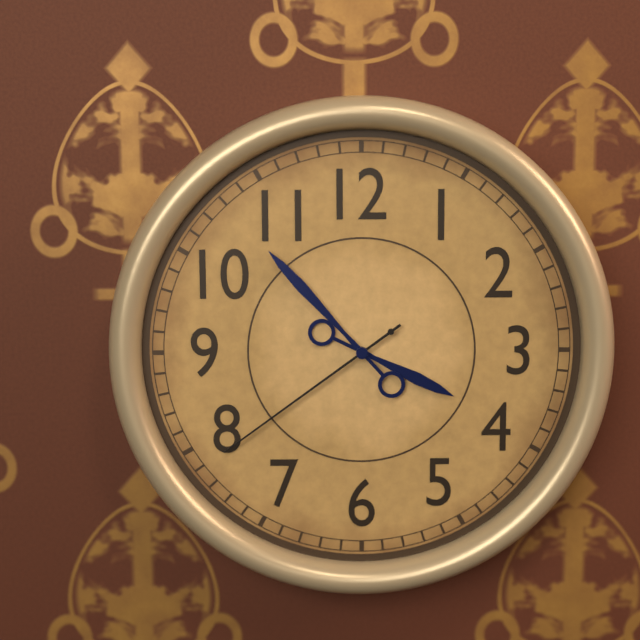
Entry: 3 h 53 min 39 s
